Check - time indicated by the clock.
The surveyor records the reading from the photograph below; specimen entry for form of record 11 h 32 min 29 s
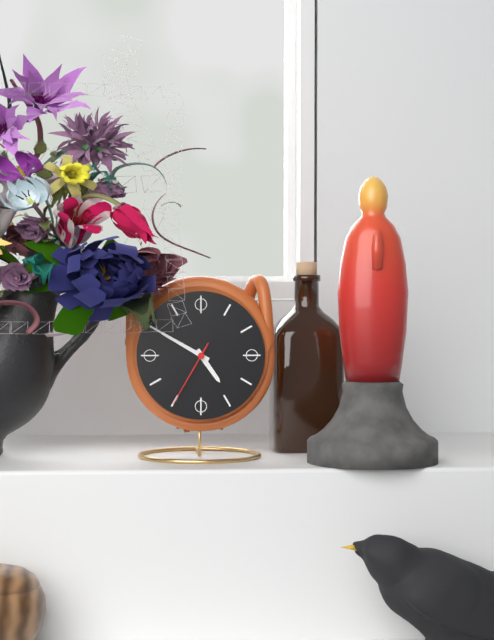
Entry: 4 h 50 min 35 s
